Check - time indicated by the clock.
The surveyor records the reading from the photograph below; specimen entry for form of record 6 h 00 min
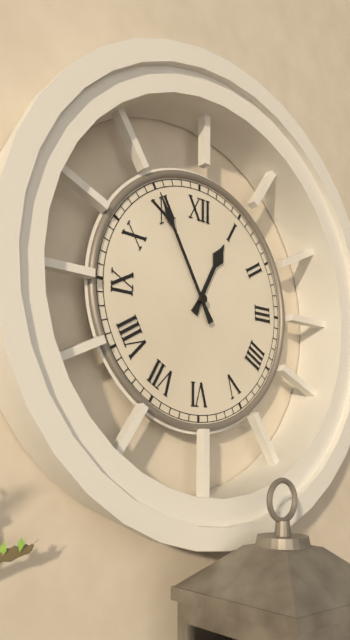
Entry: 12 h 55 min
